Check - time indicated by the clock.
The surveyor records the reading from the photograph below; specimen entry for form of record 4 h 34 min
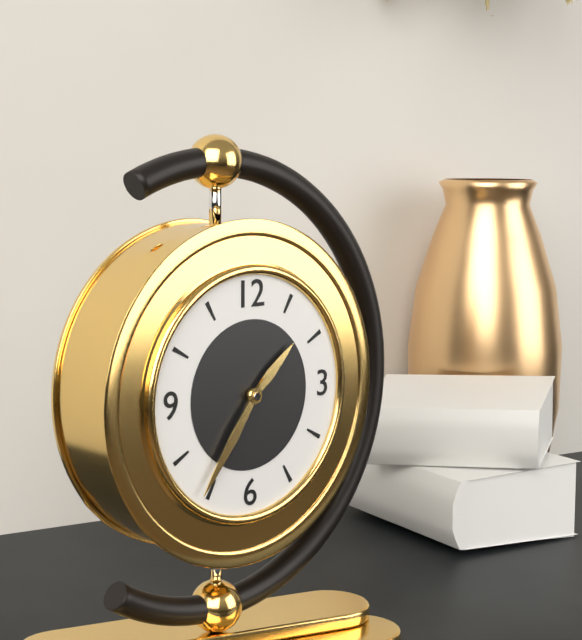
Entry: 1 h 36 min
